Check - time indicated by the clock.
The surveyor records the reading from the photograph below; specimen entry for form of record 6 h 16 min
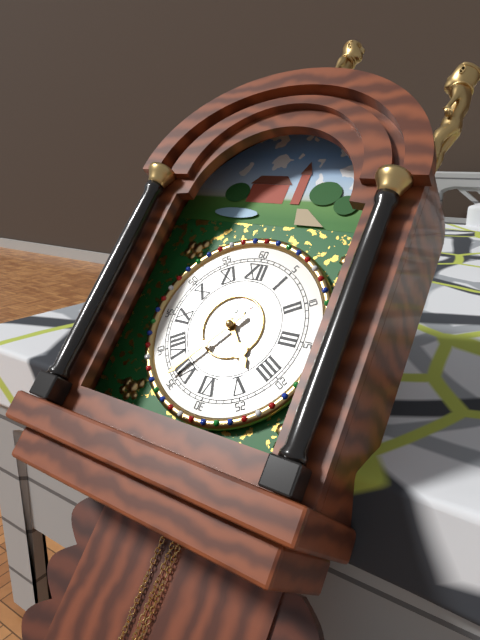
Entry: 4 h 36 min
